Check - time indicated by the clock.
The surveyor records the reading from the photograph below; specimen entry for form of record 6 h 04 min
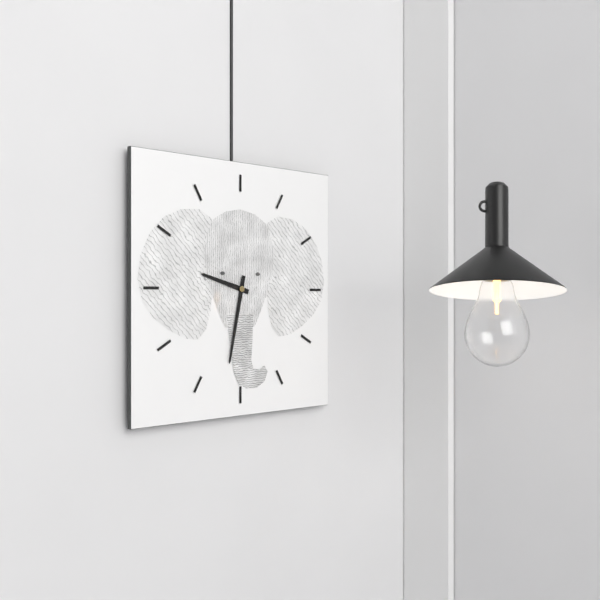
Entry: 9 h 32 min
